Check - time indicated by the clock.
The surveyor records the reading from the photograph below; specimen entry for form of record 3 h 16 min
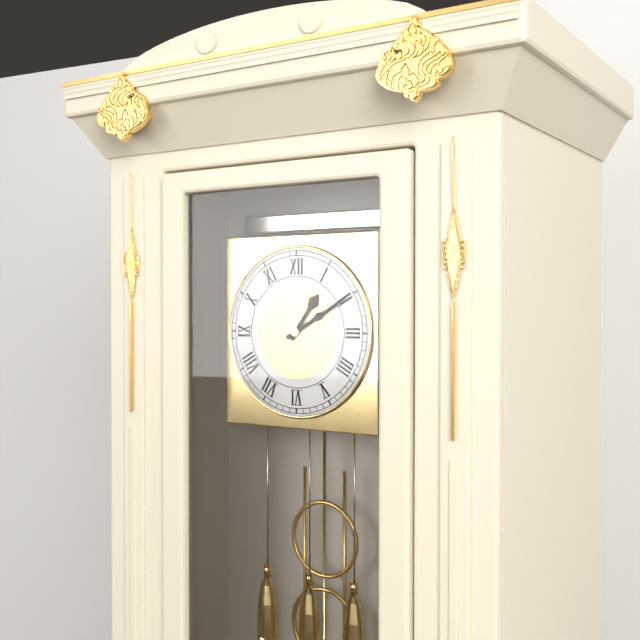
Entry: 1 h 10 min
